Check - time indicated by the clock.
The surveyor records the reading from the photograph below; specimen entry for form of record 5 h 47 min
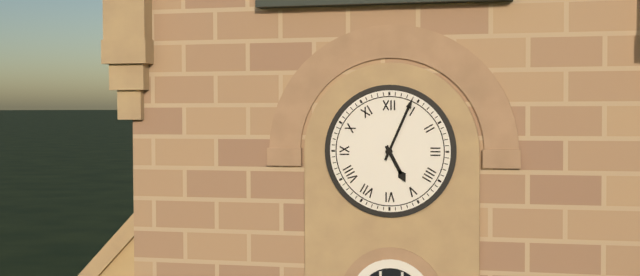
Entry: 5 h 04 min
